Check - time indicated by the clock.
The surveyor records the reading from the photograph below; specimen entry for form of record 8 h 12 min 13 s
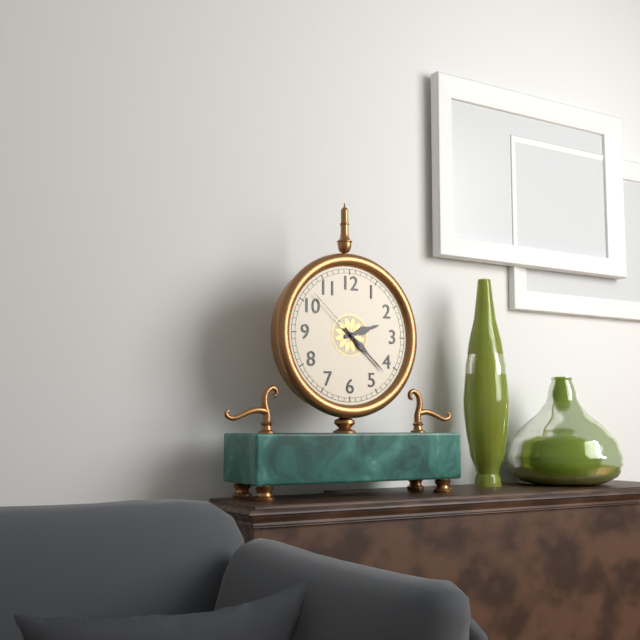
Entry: 2 h 22 min 52 s
